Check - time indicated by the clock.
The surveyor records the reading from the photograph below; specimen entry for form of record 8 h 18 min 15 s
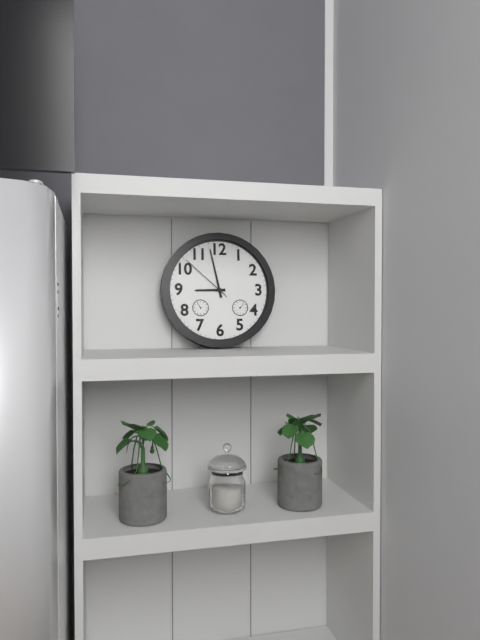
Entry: 8 h 58 min 52 s
